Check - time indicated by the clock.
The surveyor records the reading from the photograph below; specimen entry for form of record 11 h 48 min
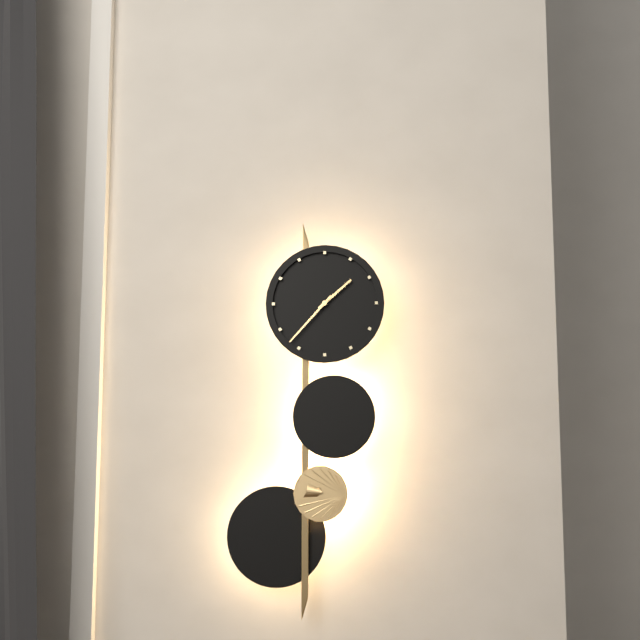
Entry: 1 h 37 min
